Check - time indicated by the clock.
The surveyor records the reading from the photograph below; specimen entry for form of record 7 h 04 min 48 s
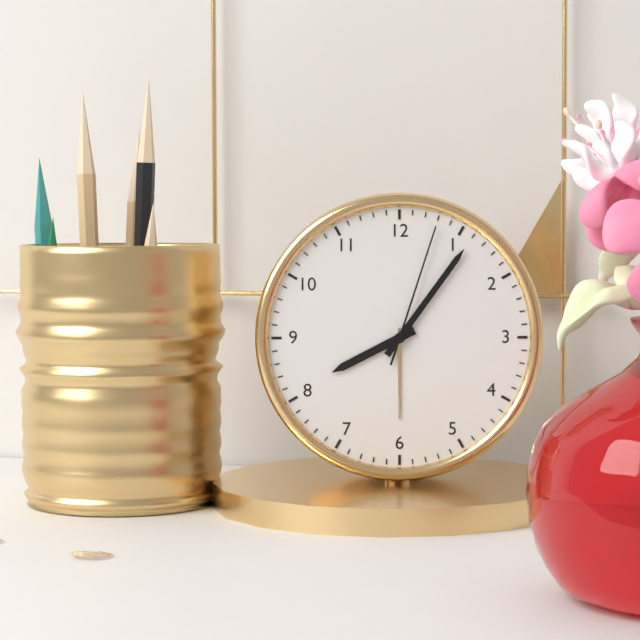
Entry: 8 h 06 min 03 s
